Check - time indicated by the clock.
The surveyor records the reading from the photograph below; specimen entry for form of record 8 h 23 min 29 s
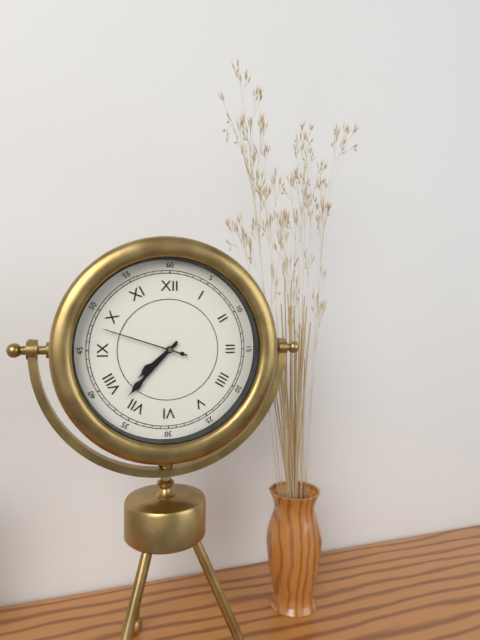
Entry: 7 h 37 min 48 s
